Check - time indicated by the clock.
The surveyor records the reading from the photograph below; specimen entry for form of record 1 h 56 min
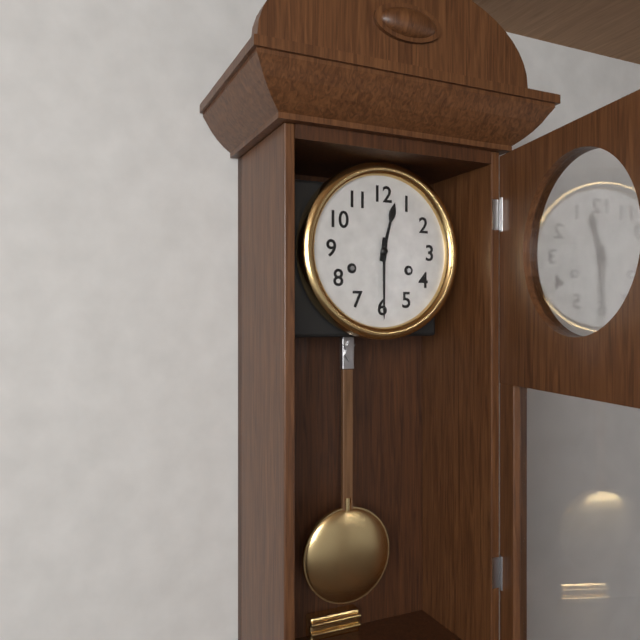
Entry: 12 h 30 min
